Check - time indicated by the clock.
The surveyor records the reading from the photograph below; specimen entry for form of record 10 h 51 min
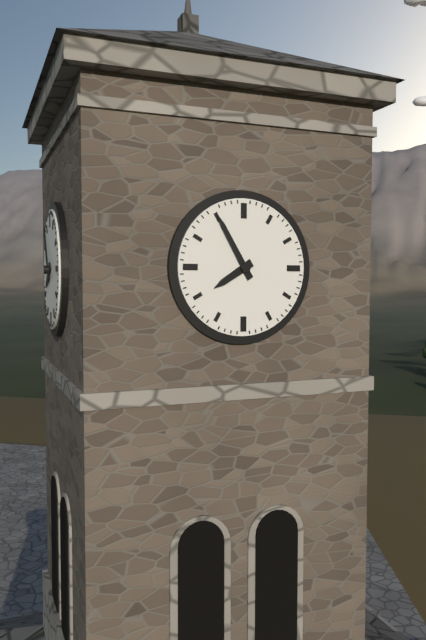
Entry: 7 h 55 min
